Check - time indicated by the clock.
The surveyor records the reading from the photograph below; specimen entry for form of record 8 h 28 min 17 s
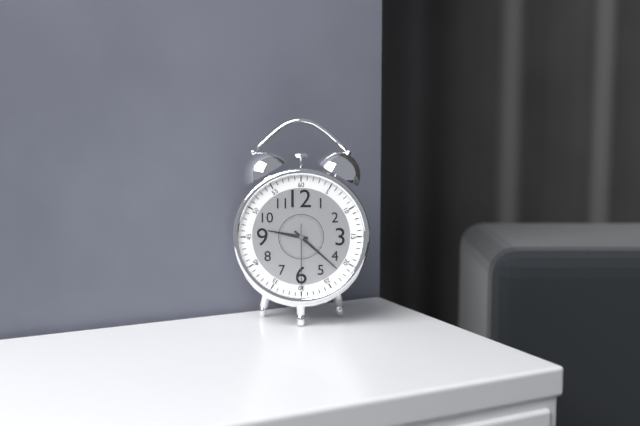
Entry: 9 h 22 min 30 s
